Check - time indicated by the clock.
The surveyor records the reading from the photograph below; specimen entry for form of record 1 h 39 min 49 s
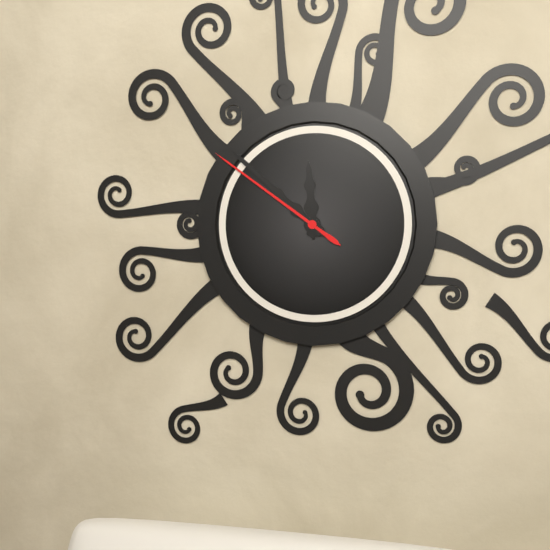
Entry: 11 h 52 min 51 s
